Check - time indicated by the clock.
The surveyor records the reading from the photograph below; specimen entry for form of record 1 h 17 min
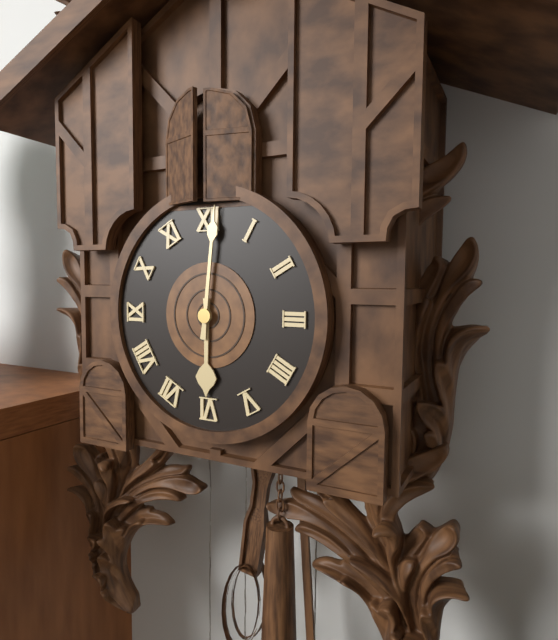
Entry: 6 h 01 min
